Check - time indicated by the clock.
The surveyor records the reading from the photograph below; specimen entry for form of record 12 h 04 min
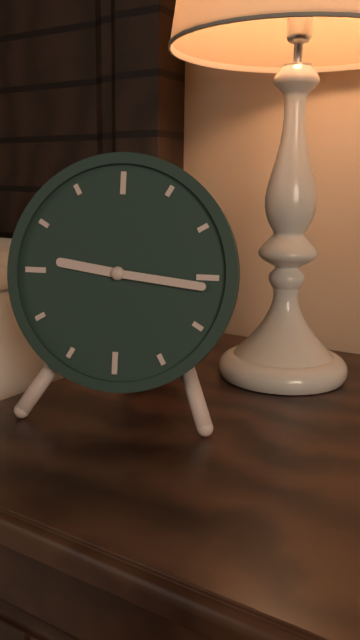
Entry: 9 h 16 min
